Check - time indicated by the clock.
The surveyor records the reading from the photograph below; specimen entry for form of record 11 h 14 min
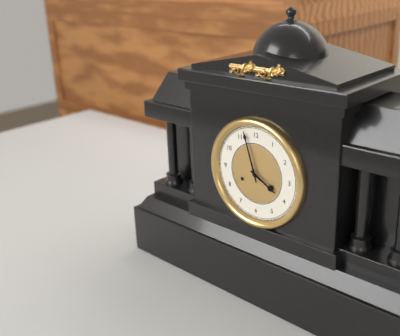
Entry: 3 h 57 min
